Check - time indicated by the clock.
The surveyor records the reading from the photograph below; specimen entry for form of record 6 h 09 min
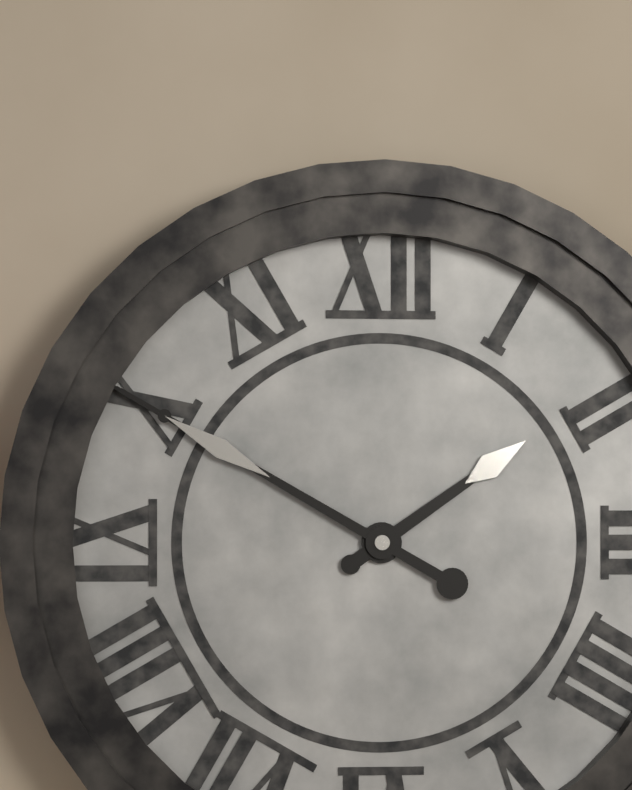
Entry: 1 h 50 min
